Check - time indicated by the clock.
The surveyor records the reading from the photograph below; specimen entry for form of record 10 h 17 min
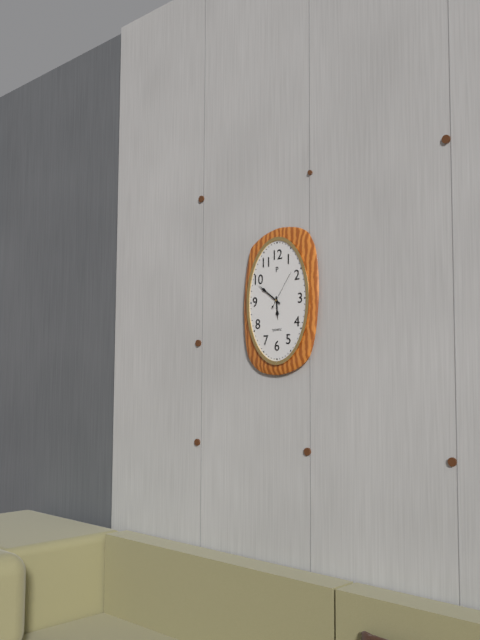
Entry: 5 h 51 min
